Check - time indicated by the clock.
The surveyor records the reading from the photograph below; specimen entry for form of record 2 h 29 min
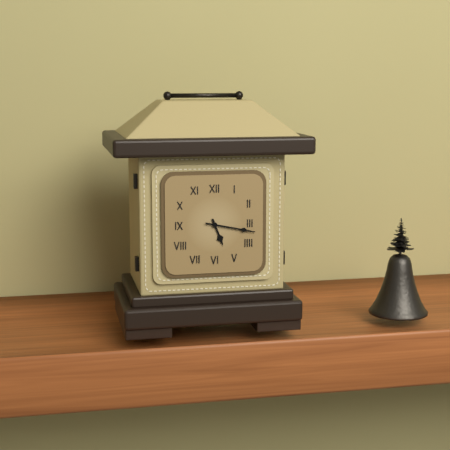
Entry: 5 h 17 min
